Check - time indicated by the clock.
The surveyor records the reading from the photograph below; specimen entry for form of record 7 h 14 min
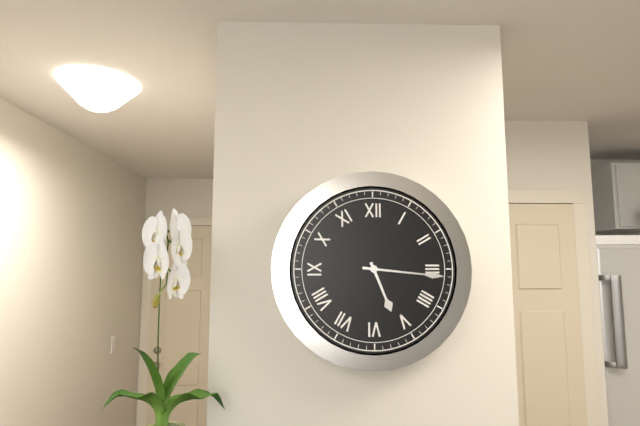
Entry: 5 h 16 min
